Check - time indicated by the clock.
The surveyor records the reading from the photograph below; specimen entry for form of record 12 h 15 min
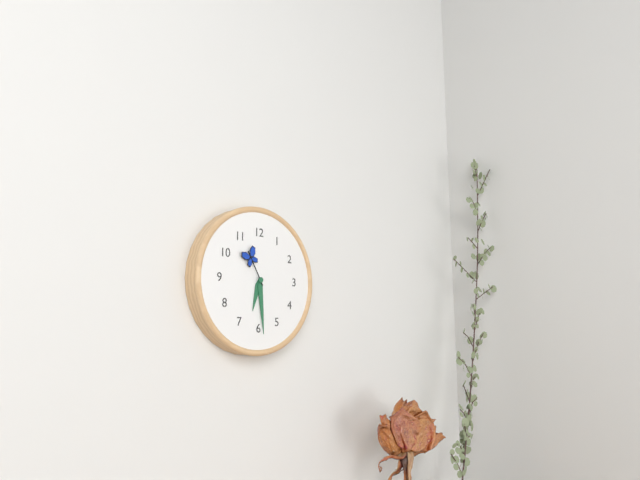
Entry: 6 h 29 min
